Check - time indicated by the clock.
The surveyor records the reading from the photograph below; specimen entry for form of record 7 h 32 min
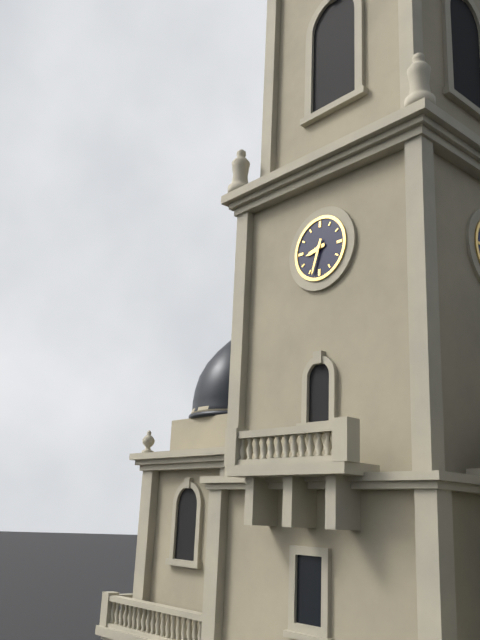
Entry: 8 h 33 min
